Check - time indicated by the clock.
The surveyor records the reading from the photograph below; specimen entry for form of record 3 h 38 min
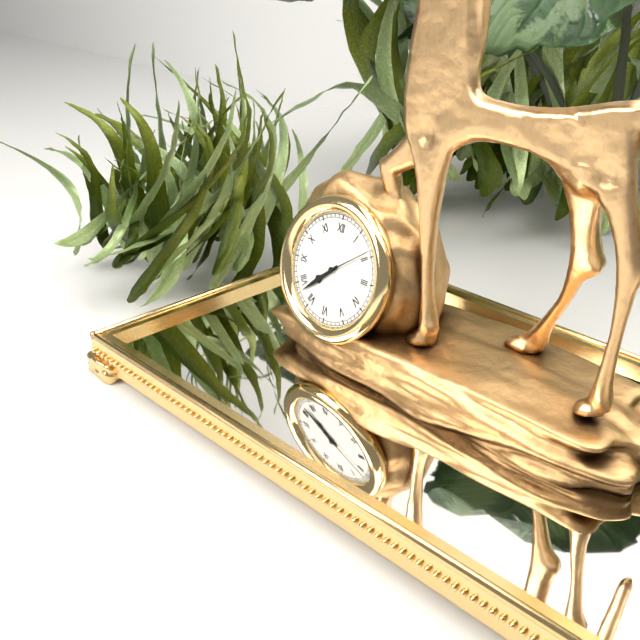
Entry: 7 h 38 min
